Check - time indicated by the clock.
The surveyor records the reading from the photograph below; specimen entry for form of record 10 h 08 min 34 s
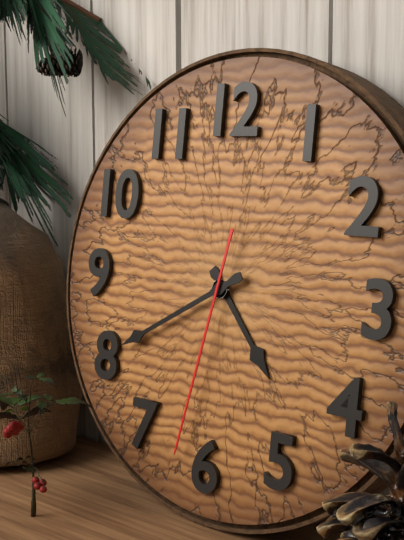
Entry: 4 h 40 min 32 s
